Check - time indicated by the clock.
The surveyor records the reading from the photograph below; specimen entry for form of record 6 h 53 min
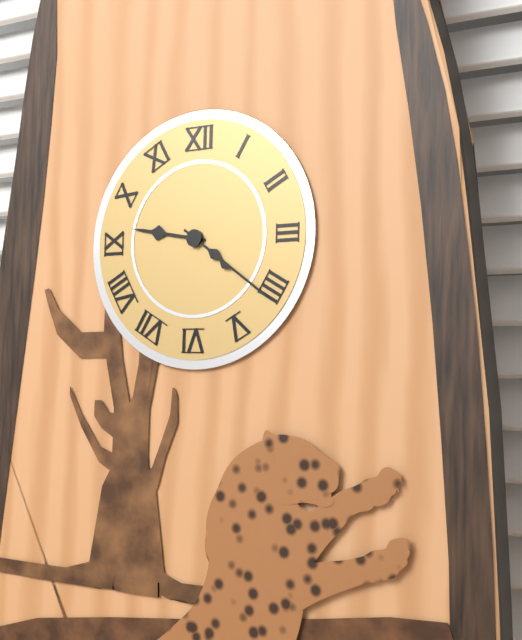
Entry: 9 h 21 min
